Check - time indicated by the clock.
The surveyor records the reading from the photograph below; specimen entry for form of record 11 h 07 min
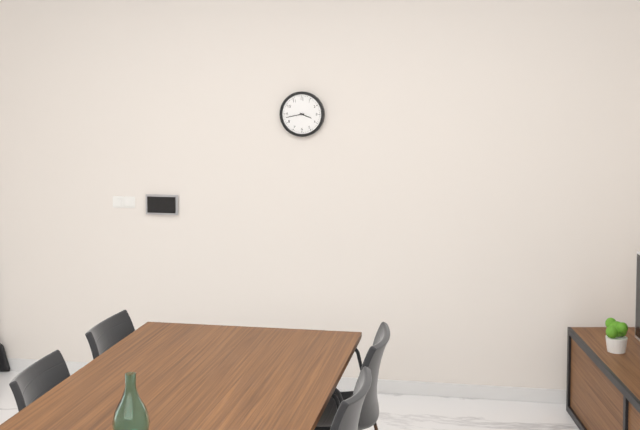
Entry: 3 h 43 min
